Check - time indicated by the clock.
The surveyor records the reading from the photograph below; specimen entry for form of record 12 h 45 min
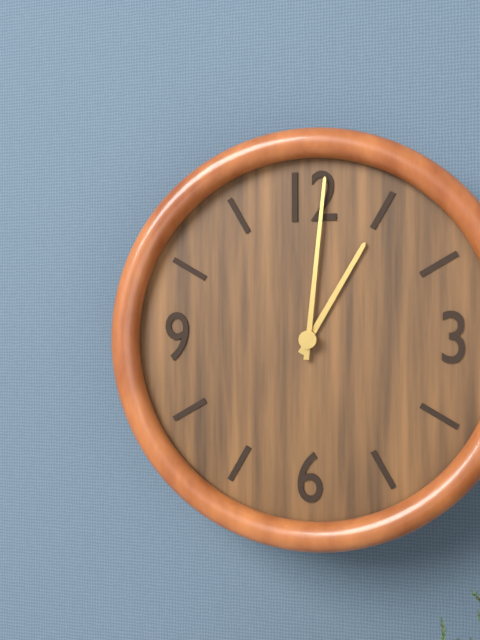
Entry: 1 h 01 min
